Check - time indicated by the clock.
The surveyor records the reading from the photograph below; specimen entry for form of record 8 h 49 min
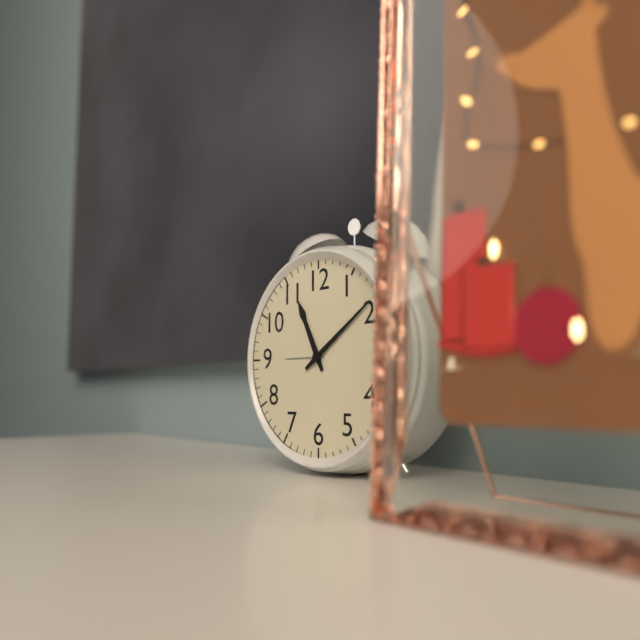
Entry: 11 h 09 min
